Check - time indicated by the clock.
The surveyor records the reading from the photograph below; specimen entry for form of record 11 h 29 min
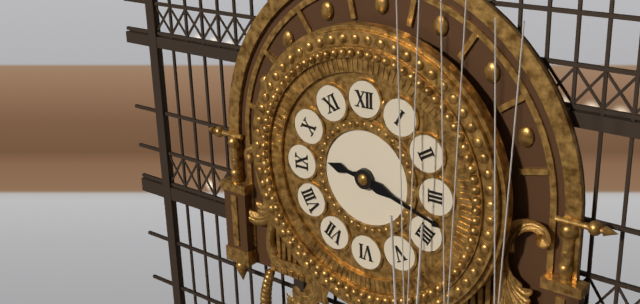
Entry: 9 h 18 min
